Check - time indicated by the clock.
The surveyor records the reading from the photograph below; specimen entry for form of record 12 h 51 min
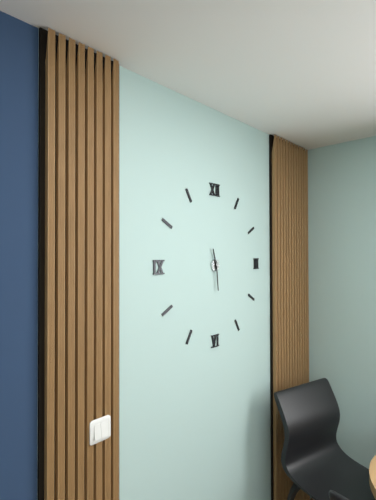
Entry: 11 h 29 min
